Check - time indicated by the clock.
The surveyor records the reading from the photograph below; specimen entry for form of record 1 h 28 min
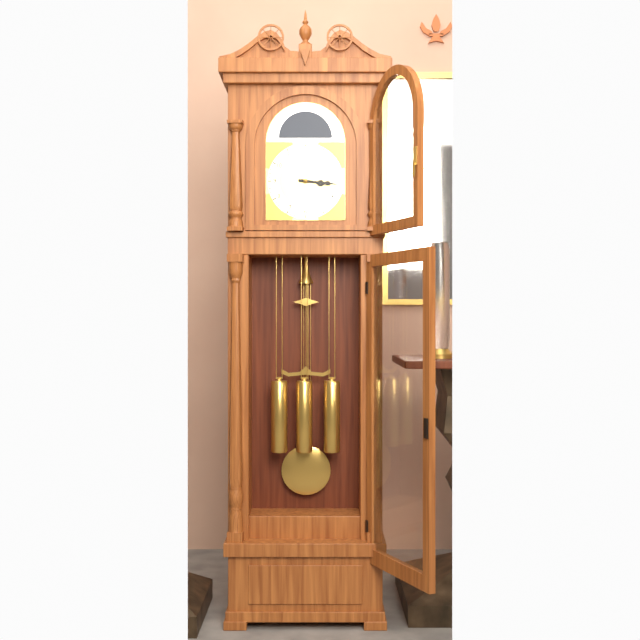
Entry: 3 h 16 min
